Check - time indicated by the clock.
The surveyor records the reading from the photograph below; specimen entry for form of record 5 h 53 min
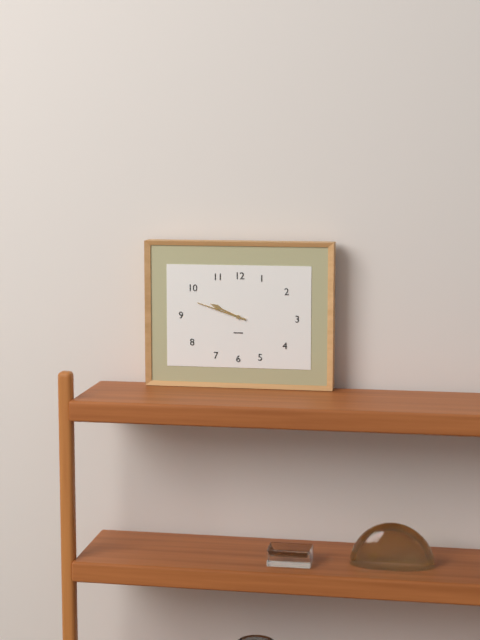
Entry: 9 h 48 min
